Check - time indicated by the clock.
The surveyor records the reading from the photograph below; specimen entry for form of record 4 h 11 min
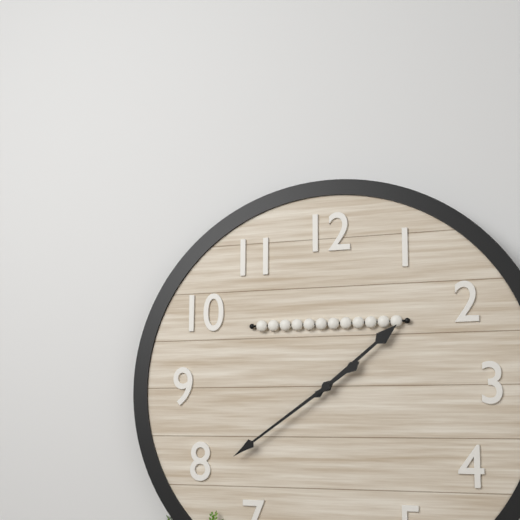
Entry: 1 h 39 min
